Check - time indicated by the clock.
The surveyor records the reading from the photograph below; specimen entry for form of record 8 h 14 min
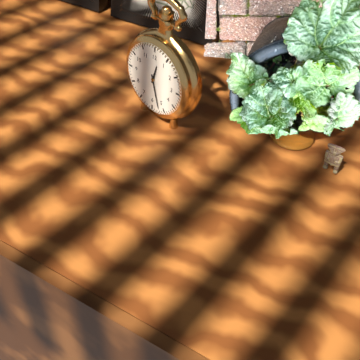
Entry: 12 h 27 min
